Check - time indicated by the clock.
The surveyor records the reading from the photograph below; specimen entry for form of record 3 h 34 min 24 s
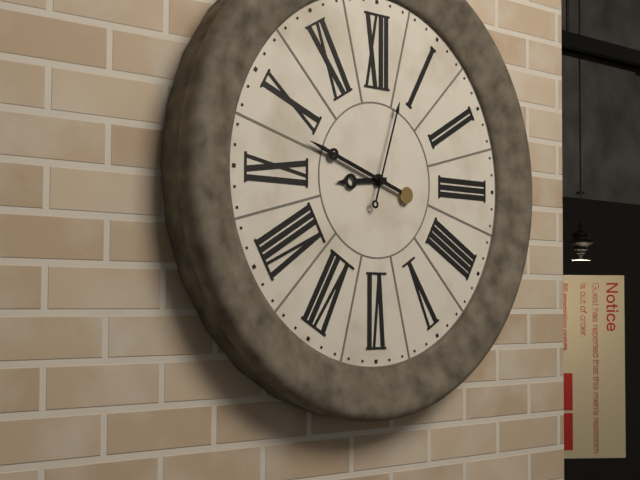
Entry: 8 h 48 min 03 s
